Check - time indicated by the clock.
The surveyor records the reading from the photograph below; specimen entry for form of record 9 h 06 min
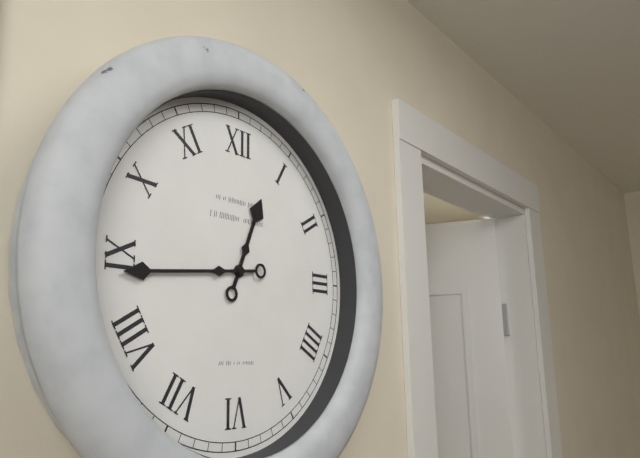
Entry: 12 h 44 min
